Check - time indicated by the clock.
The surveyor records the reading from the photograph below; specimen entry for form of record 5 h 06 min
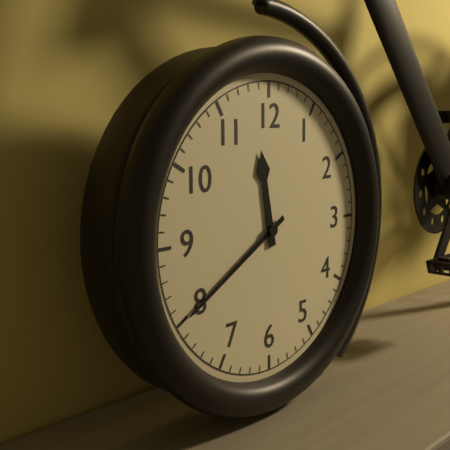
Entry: 11 h 40 min
